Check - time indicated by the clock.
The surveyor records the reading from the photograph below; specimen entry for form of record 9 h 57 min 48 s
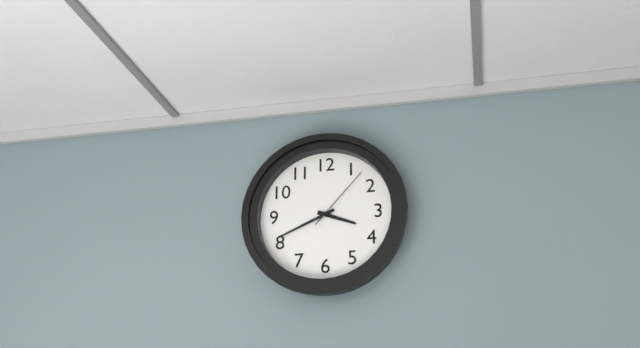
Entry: 3 h 41 min 07 s
